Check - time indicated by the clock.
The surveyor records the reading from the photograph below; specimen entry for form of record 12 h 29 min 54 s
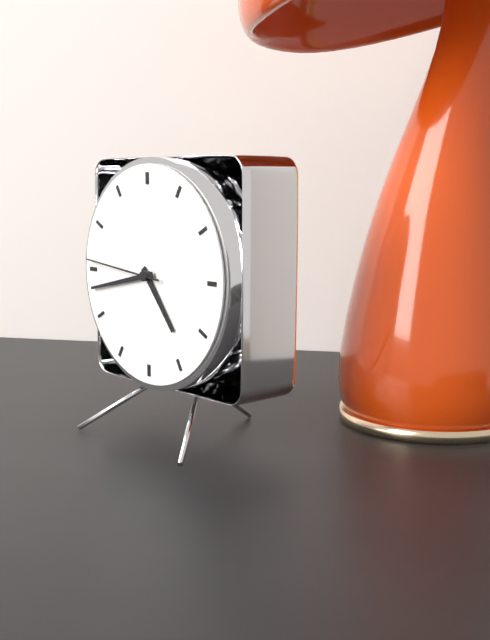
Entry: 4 h 43 min 46 s
